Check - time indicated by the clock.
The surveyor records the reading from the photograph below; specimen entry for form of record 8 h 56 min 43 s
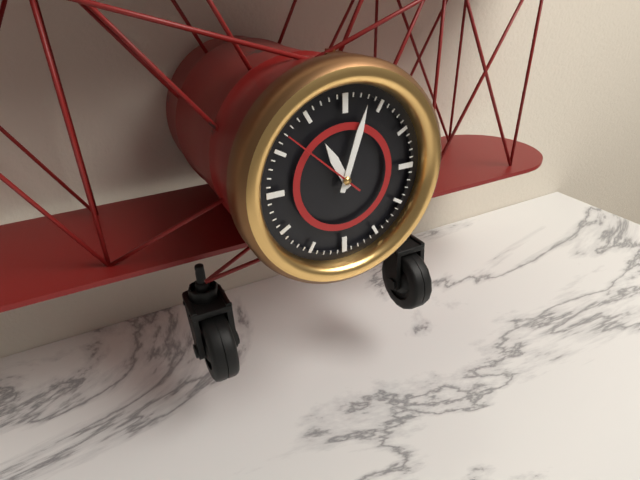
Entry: 11 h 03 min 52 s
